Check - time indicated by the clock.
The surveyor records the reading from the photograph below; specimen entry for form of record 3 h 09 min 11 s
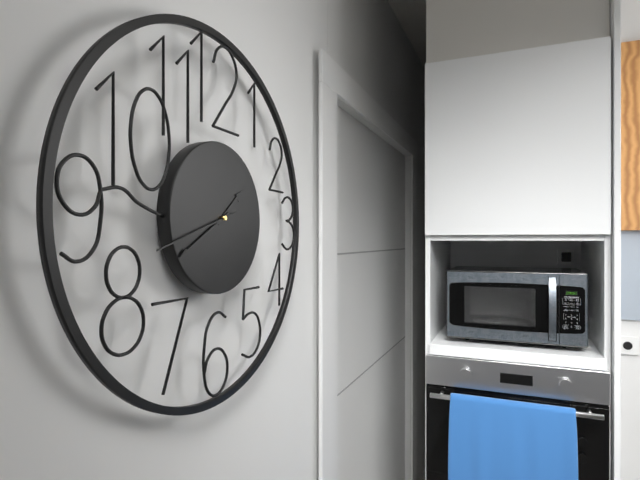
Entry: 1 h 40 min 42 s
